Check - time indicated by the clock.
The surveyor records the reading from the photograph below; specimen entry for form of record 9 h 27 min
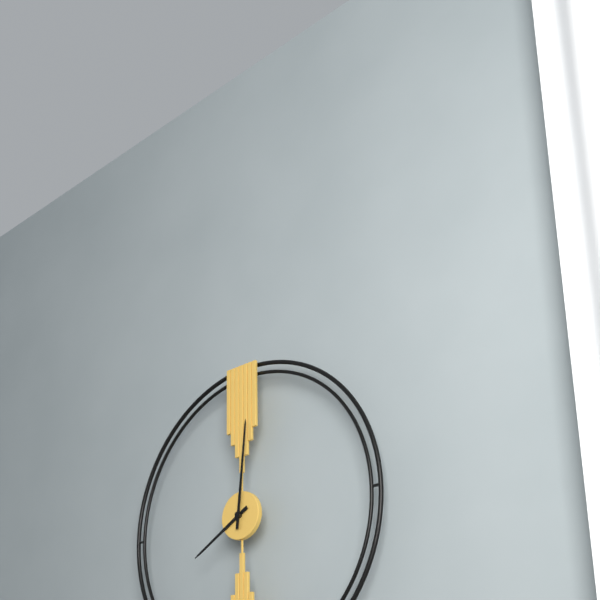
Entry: 8 h 01 min
